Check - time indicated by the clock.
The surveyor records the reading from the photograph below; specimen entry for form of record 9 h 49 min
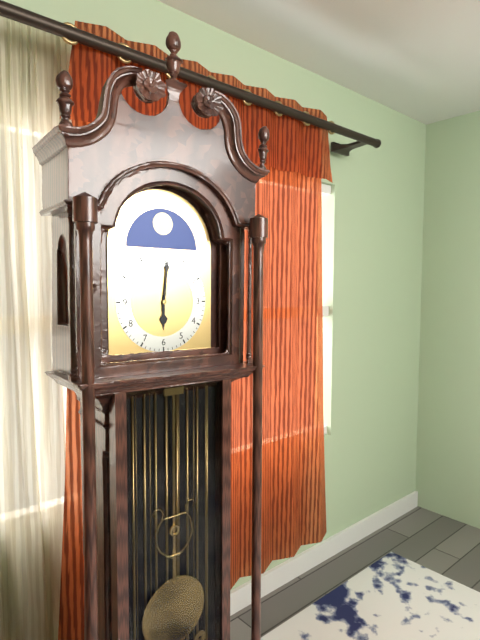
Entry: 6 h 01 min
